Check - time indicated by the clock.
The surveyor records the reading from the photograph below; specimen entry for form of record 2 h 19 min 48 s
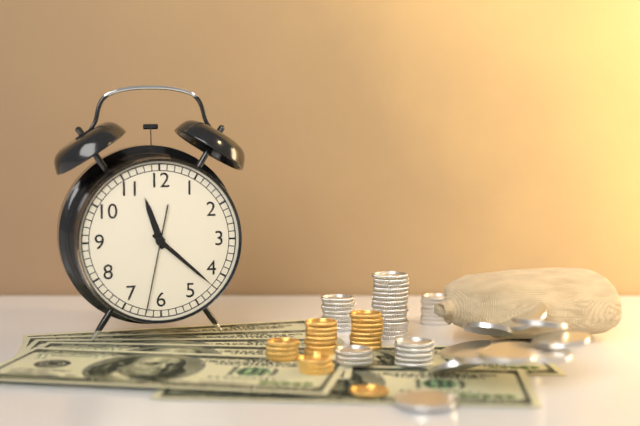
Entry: 11 h 22 min 32 s
